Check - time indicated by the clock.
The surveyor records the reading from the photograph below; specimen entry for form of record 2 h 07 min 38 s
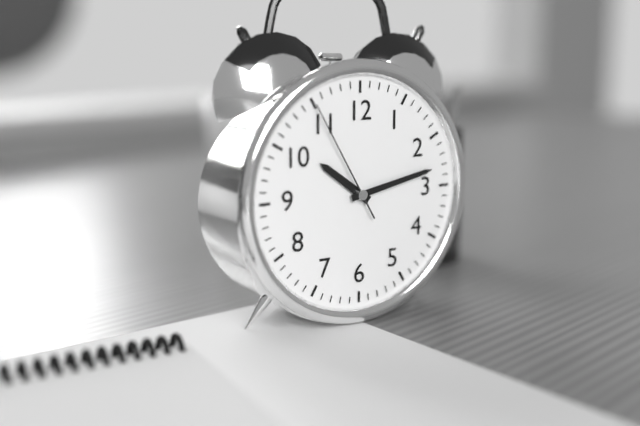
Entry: 10 h 13 min 55 s
